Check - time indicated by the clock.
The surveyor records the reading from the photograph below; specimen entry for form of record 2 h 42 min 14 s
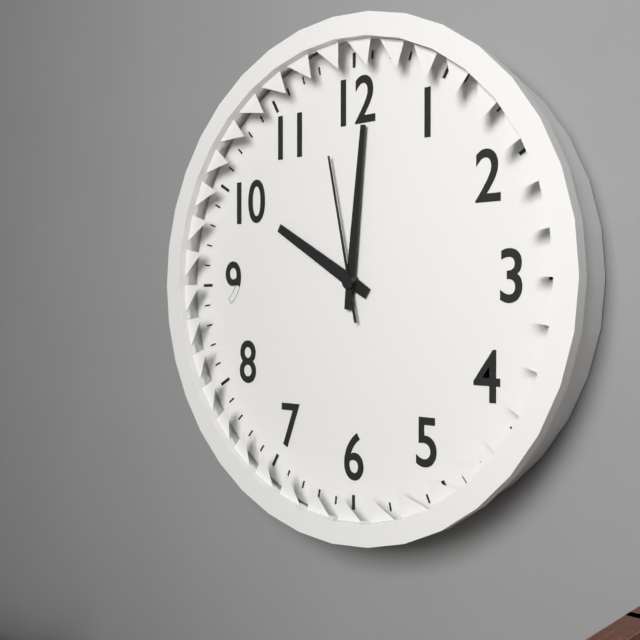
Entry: 10 h 01 min 58 s
